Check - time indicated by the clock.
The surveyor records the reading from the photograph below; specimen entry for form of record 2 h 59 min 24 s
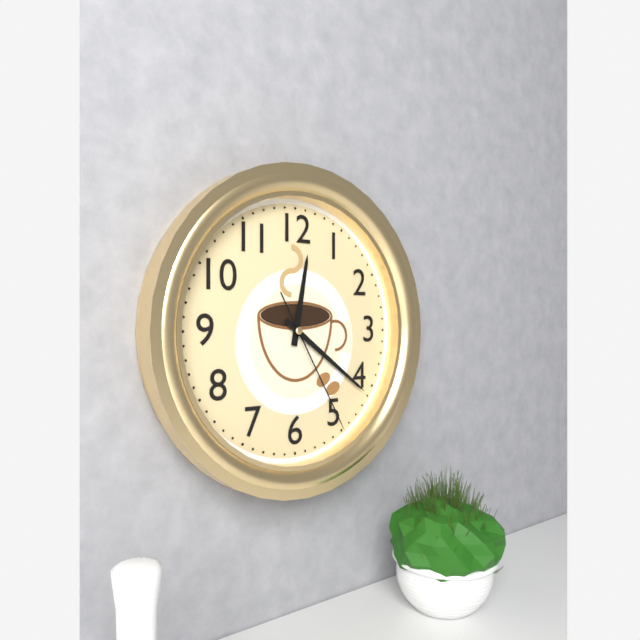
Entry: 12 h 21 min 25 s
